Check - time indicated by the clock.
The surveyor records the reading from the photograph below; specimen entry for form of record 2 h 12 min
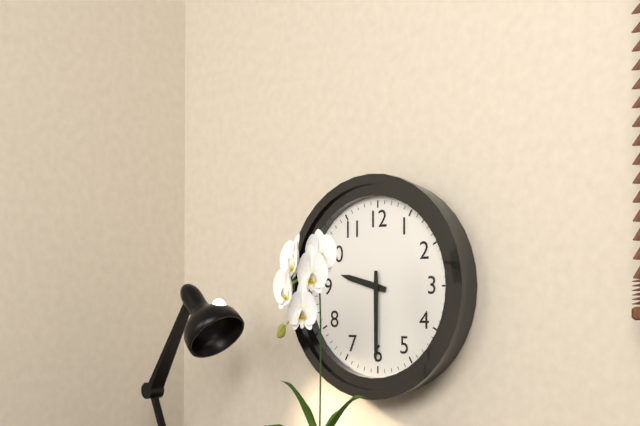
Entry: 9 h 30 min
